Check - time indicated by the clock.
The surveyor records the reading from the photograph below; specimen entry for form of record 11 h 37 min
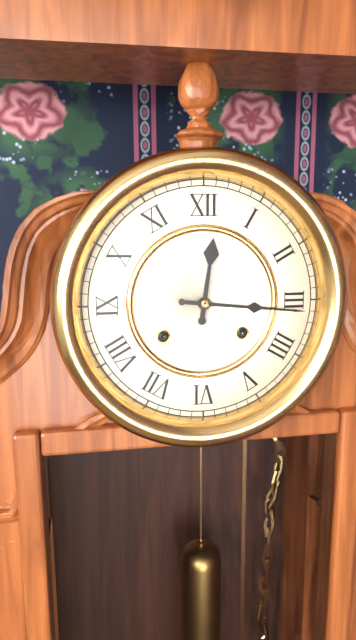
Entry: 12 h 16 min
